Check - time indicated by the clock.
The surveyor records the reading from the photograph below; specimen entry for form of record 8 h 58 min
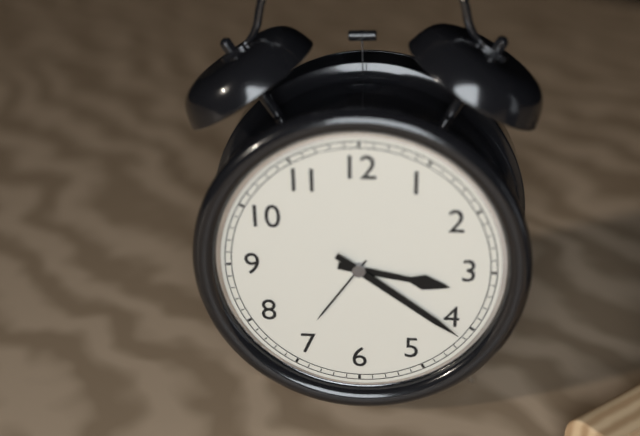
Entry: 3 h 21 min
